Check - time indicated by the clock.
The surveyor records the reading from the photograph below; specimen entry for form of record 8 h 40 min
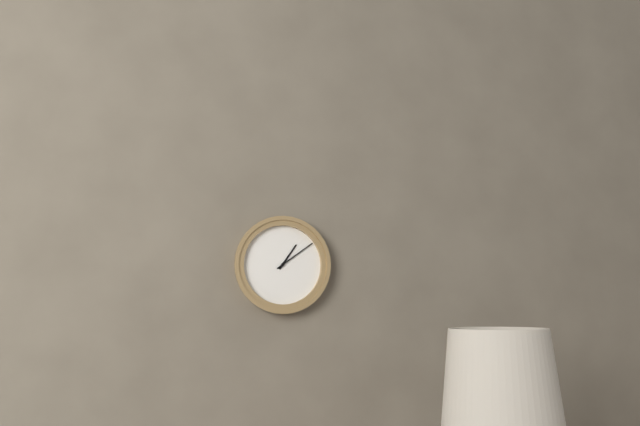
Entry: 1 h 09 min
